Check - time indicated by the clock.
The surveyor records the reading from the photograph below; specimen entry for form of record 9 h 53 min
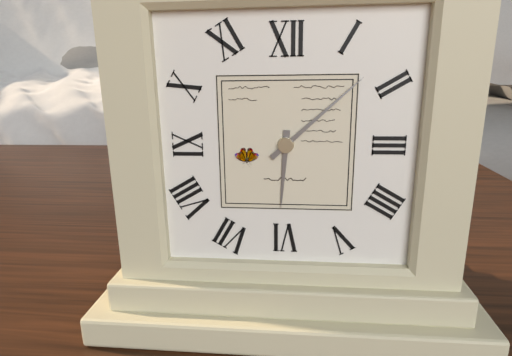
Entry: 6 h 08 min
